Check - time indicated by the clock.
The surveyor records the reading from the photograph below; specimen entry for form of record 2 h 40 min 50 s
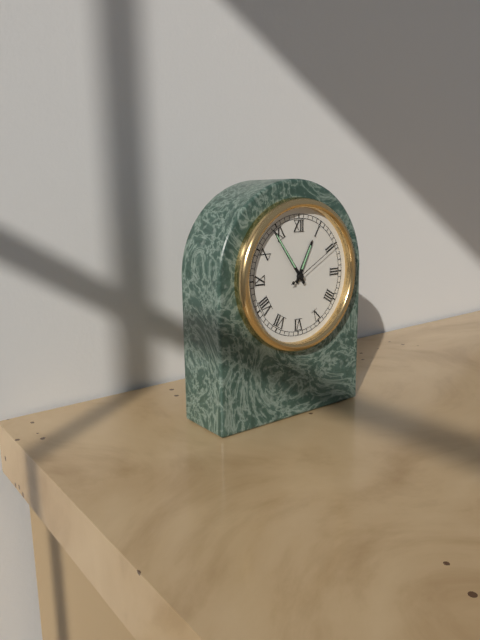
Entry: 12 h 54 min 10 s
